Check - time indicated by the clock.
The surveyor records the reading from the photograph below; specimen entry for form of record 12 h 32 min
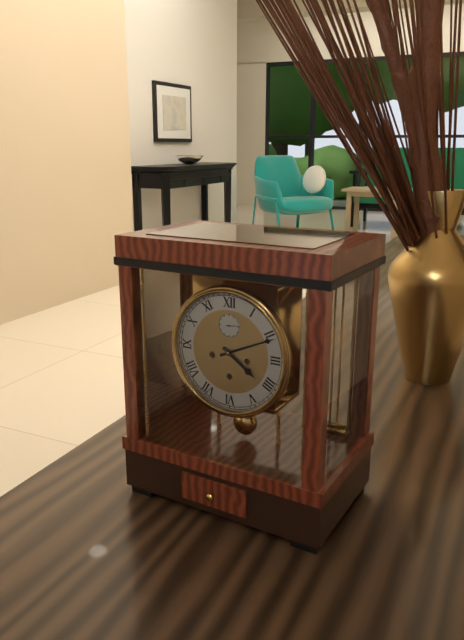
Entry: 4 h 11 min
